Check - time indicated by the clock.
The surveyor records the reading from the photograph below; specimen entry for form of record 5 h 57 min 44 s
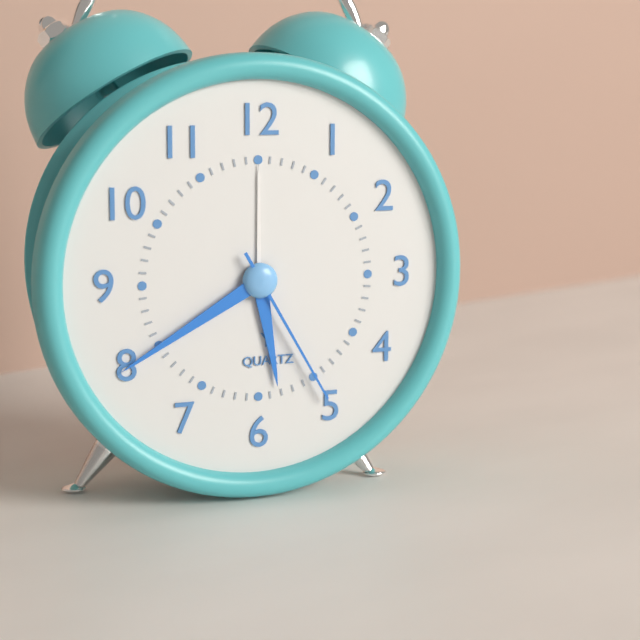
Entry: 5 h 40 min 25 s
